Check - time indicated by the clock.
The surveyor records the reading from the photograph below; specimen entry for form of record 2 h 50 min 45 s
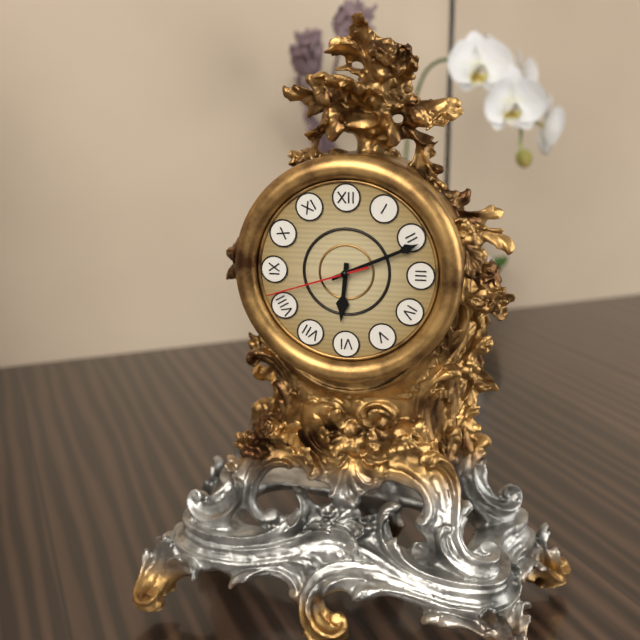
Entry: 6 h 11 min 42 s
